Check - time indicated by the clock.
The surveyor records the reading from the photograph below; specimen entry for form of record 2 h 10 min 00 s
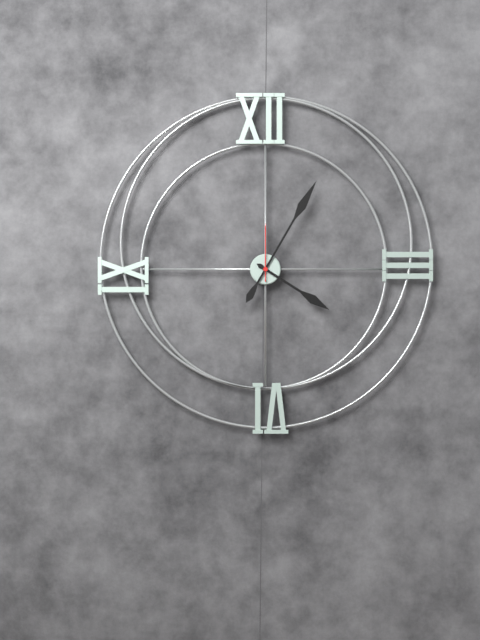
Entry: 4 h 05 min 00 s
